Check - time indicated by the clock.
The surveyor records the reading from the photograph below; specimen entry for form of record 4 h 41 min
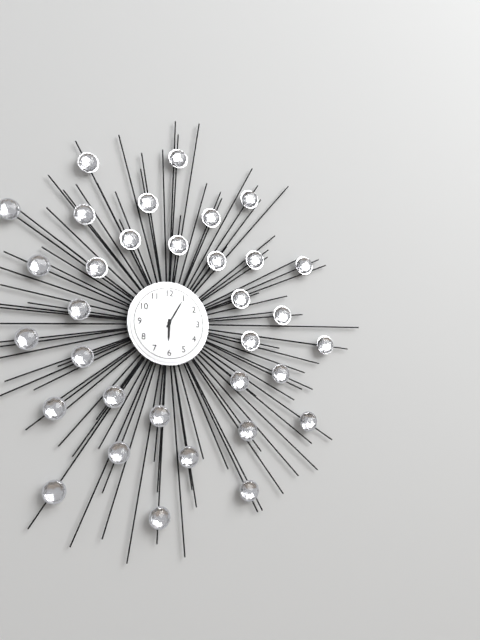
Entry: 6 h 05 min
